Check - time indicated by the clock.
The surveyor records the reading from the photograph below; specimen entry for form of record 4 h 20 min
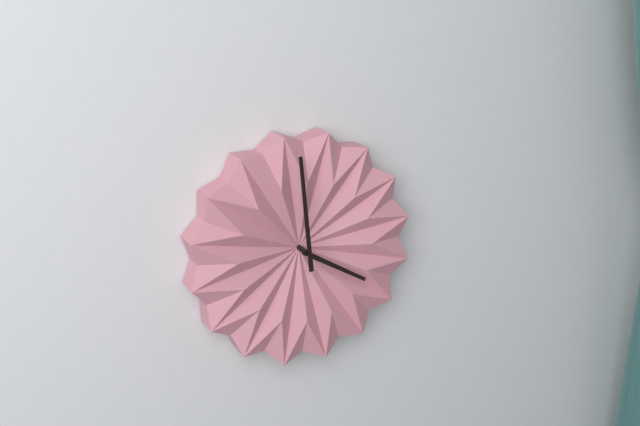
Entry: 3 h 59 min
